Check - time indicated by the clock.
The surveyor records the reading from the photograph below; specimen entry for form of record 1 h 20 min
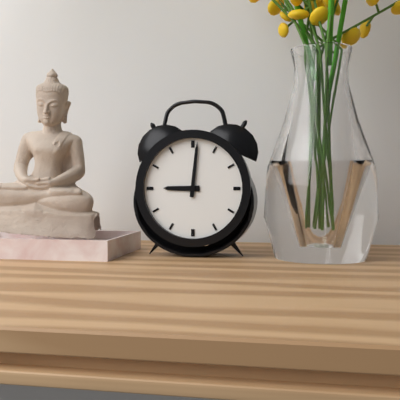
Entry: 9 h 01 min
